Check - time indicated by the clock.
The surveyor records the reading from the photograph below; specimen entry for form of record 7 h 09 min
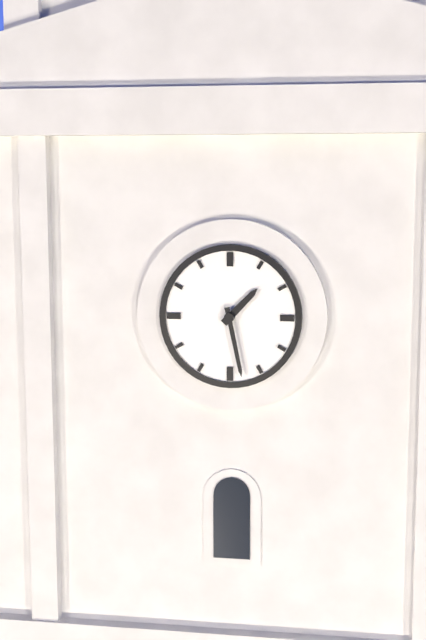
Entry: 1 h 28 min
